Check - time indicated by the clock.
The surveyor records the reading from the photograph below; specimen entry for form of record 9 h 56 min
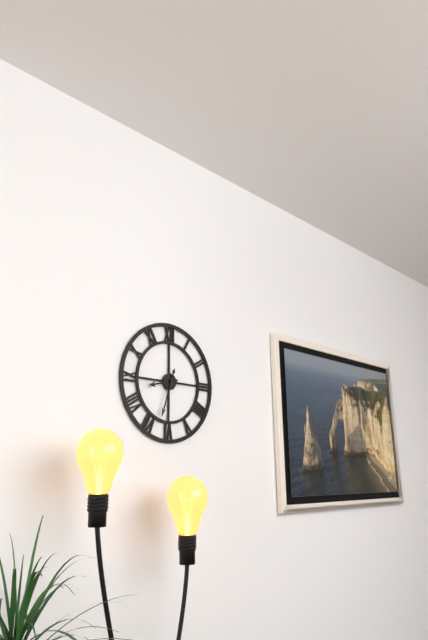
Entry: 8 h 33 min
